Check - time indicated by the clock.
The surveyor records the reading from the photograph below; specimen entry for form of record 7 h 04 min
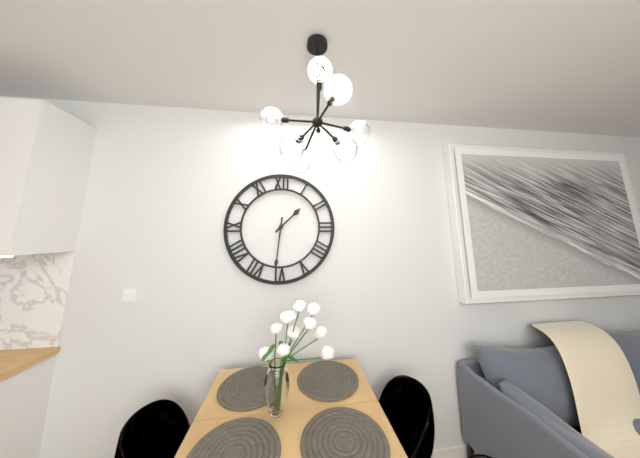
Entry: 1 h 31 min
